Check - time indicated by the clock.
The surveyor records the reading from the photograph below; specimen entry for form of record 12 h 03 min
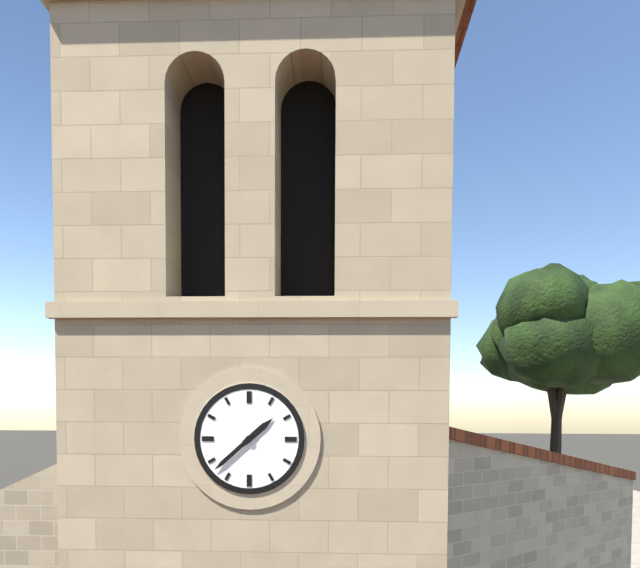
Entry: 1 h 38 min
